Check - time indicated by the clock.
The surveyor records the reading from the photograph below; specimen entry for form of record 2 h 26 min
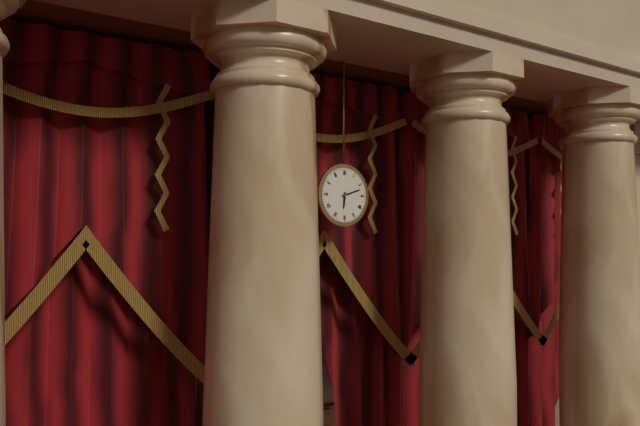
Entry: 6 h 12 min
